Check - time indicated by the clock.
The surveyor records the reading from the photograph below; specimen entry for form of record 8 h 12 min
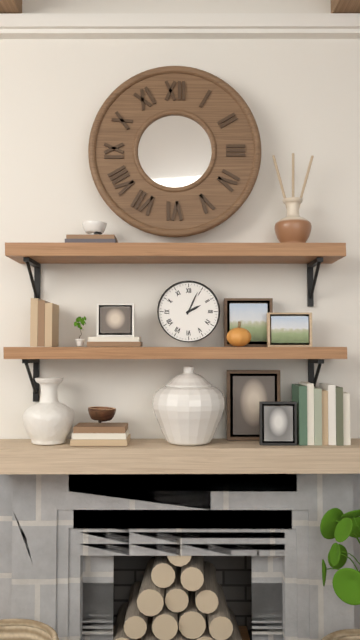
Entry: 2 h 04 min
